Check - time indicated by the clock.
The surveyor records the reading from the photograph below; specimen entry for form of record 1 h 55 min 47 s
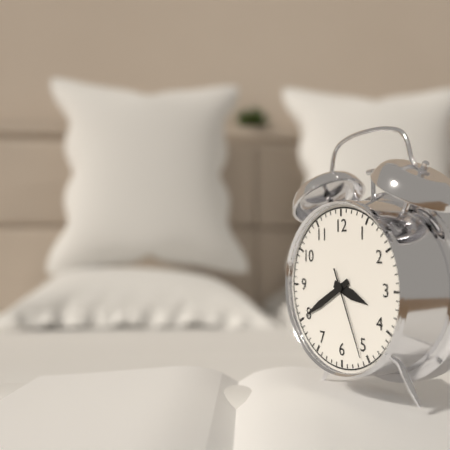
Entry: 3 h 40 min 26 s
